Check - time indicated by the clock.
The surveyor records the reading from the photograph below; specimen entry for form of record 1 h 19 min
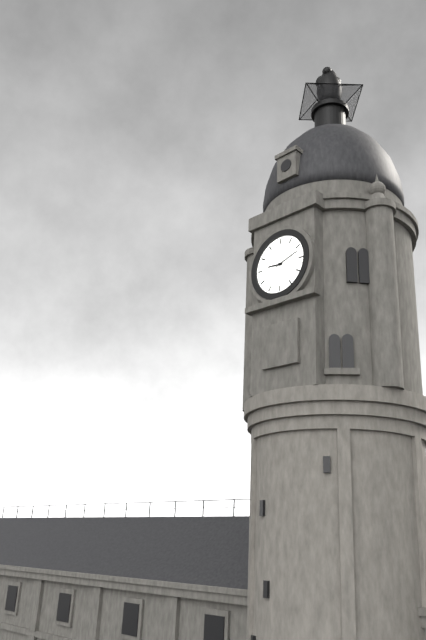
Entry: 9 h 12 min
